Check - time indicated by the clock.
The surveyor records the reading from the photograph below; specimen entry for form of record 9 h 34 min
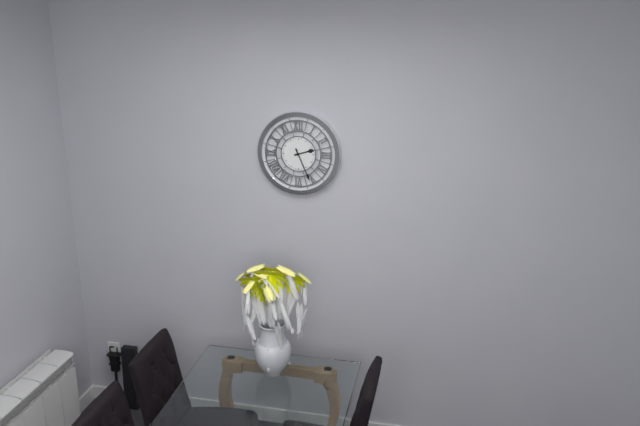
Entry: 2 h 26 min
